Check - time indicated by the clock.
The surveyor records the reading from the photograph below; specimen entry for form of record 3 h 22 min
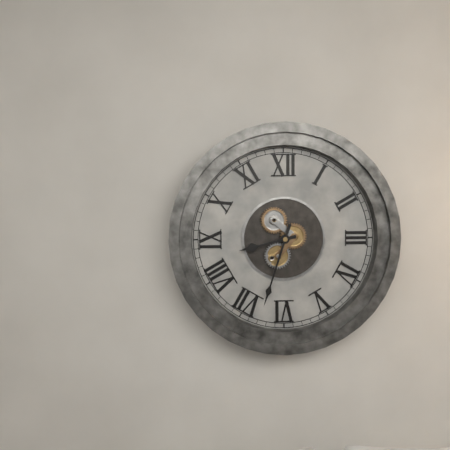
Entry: 8 h 33 min
